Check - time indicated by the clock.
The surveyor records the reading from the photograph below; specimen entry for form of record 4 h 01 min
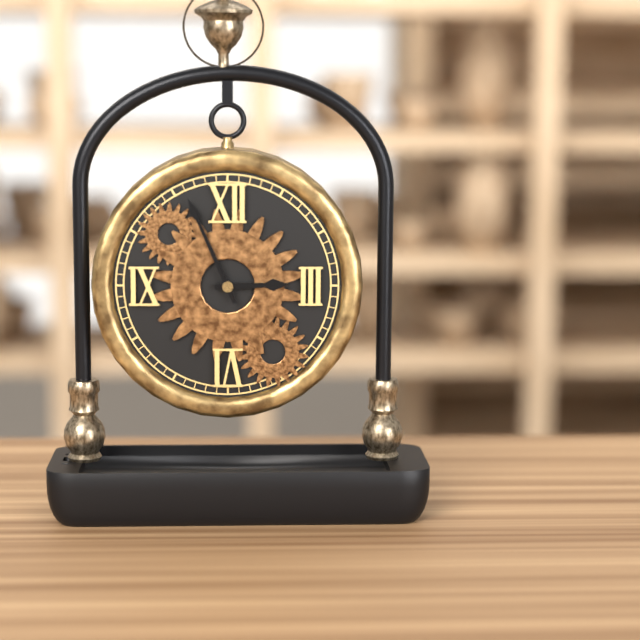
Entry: 2 h 56 min
